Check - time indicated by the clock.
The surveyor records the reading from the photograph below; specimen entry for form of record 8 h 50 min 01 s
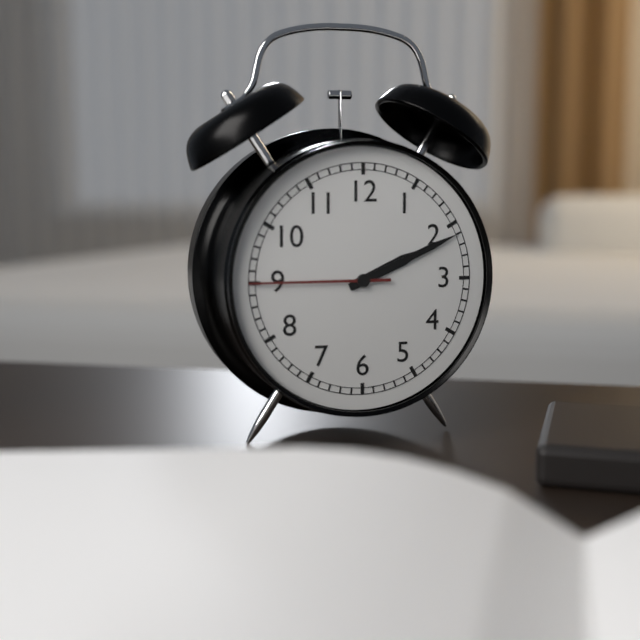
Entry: 2 h 11 min 45 s
